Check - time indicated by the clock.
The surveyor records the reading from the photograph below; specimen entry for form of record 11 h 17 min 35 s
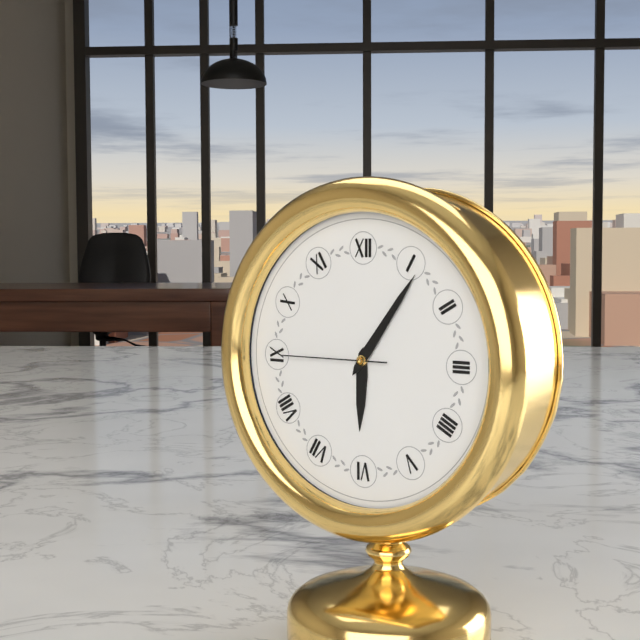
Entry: 6 h 06 min 45 s
